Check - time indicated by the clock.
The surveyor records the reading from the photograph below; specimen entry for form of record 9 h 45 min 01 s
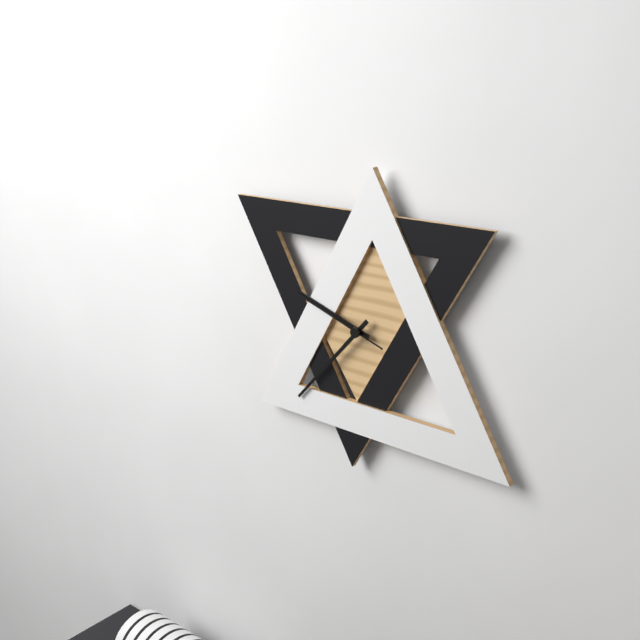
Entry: 9 h 37 min 48 s
